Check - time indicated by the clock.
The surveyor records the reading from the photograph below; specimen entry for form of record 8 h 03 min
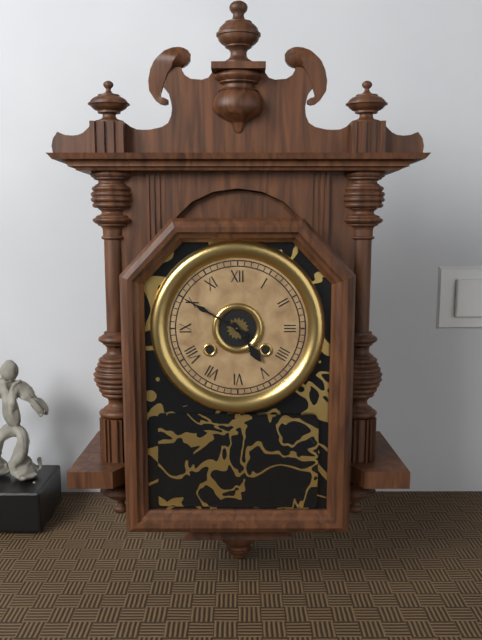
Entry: 4 h 50 min
